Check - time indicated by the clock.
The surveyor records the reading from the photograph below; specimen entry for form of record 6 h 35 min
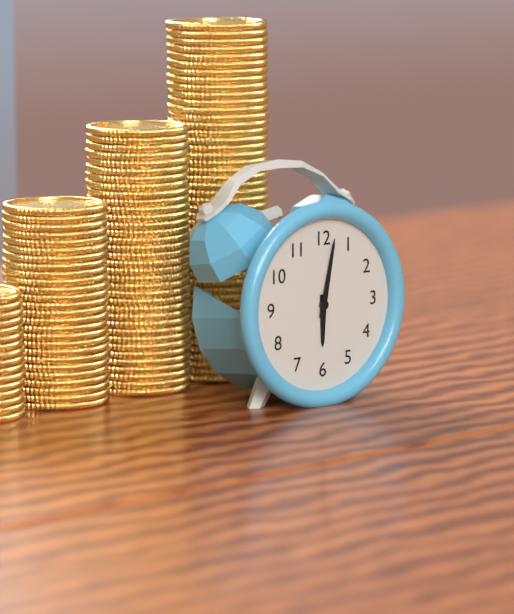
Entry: 6 h 02 min
